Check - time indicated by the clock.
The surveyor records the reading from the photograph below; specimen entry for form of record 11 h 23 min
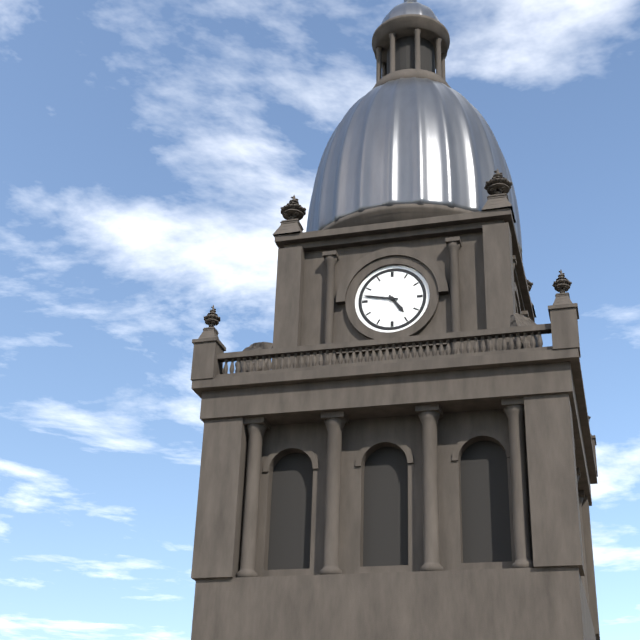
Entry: 4 h 47 min
